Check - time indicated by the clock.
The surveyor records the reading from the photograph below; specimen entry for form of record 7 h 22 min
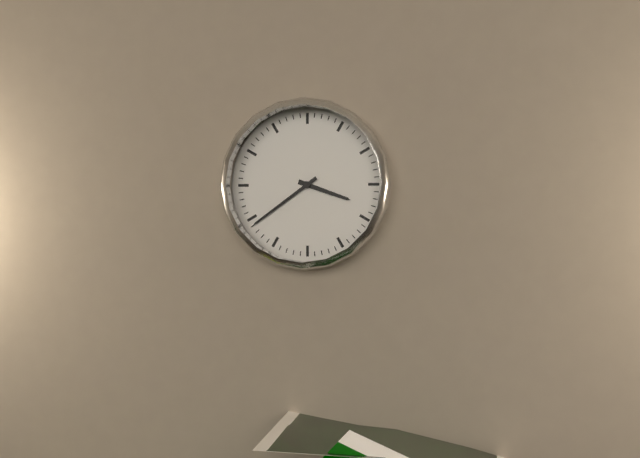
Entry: 3 h 39 min
